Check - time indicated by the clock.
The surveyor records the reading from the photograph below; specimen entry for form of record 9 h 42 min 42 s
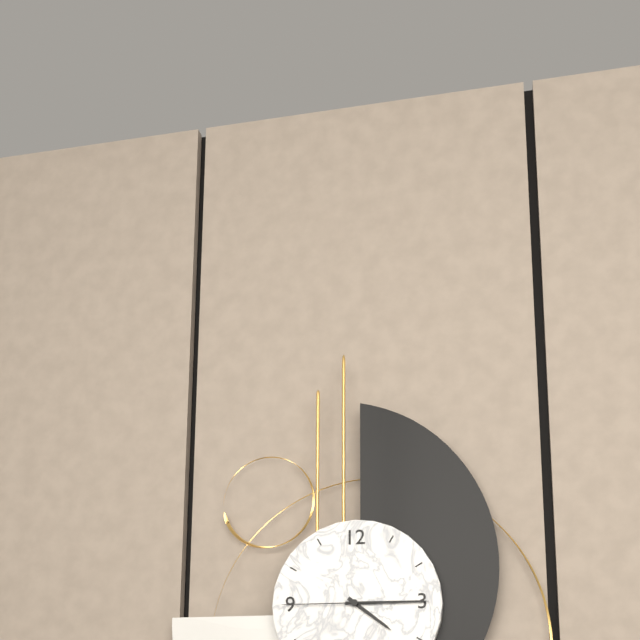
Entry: 4 h 15 min 45 s
